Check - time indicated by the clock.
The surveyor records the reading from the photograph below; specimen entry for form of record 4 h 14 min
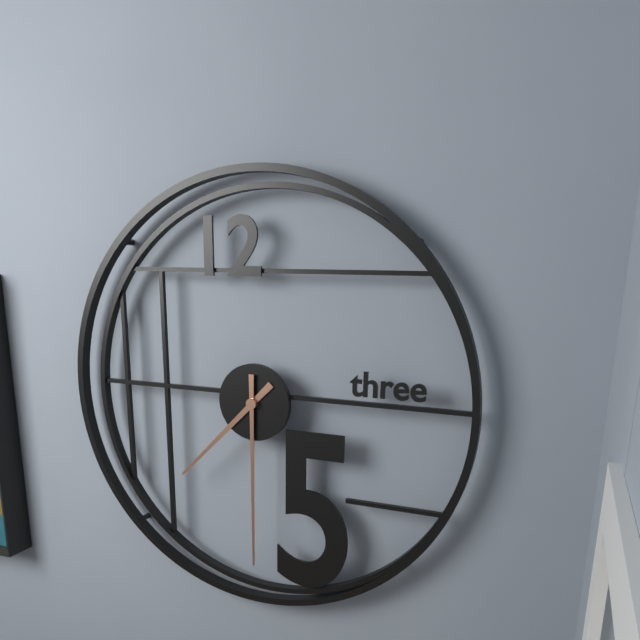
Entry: 7 h 30 min
